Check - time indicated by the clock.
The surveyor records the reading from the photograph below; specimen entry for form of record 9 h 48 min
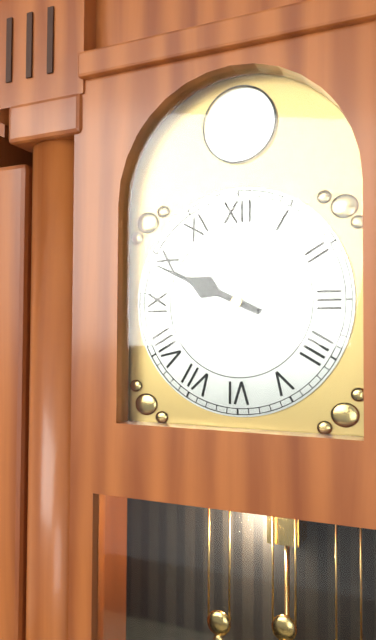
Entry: 9 h 49 min
